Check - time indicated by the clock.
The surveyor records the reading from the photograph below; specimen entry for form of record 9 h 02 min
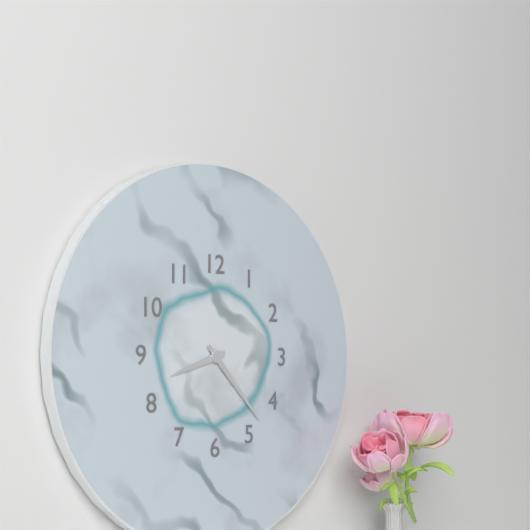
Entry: 8 h 23 min
